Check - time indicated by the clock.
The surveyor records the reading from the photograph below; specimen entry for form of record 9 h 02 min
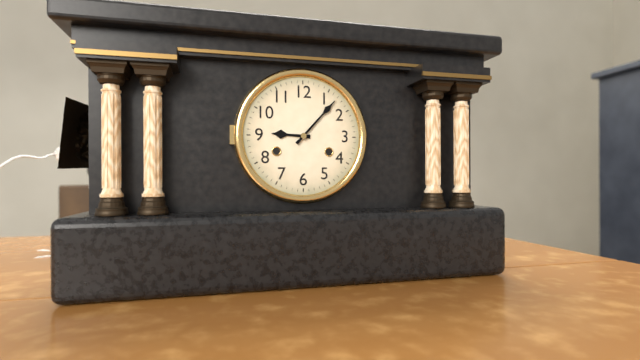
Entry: 9 h 07 min
